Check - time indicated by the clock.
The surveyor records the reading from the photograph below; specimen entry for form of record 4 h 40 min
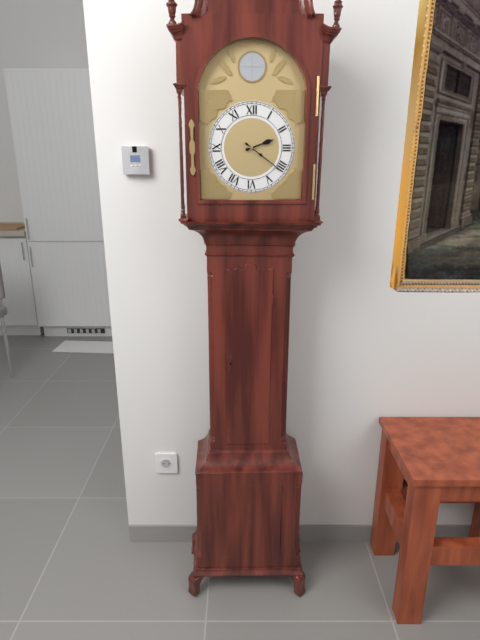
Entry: 2 h 21 min
